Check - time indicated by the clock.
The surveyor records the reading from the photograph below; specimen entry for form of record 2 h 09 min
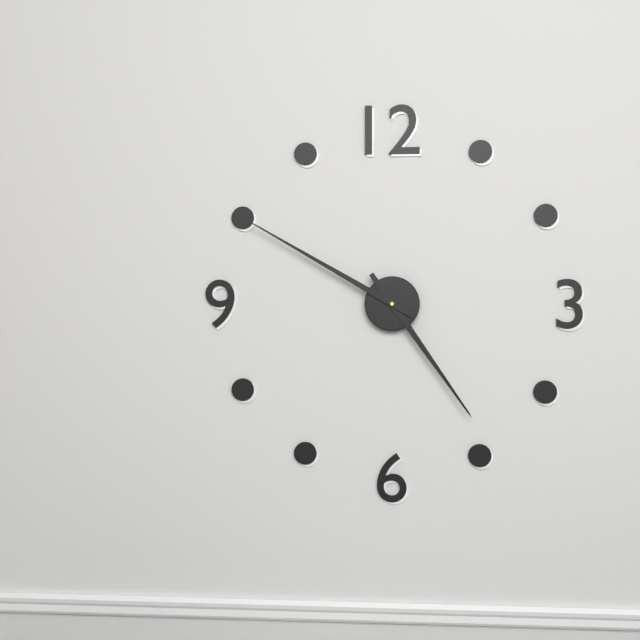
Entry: 4 h 50 min
